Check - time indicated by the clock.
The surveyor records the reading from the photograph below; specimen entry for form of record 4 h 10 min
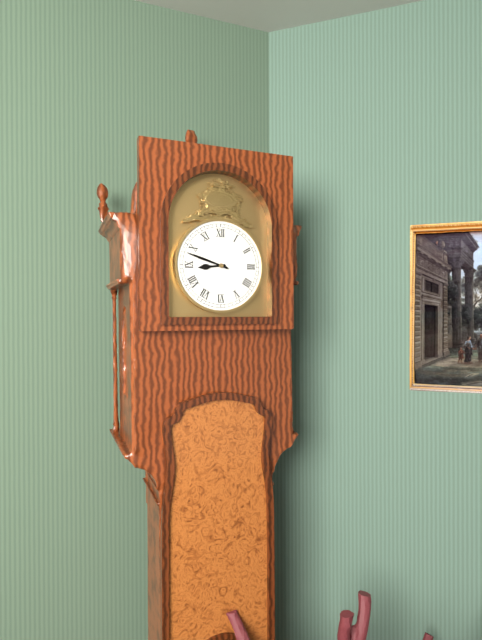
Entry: 8 h 48 min
